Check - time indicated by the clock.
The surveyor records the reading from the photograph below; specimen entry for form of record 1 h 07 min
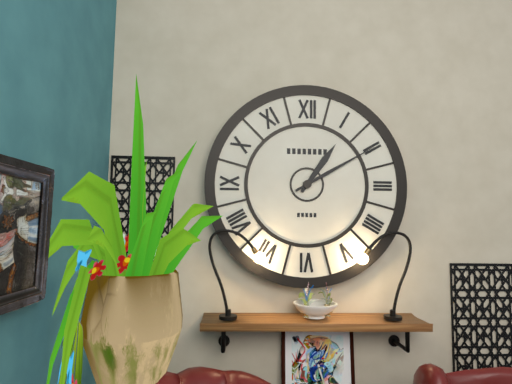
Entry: 1 h 10 min
